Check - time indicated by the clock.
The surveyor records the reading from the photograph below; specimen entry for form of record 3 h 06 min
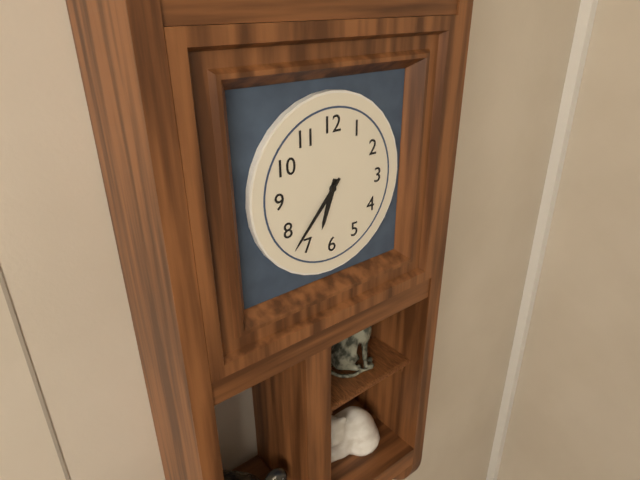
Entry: 6 h 37 min
